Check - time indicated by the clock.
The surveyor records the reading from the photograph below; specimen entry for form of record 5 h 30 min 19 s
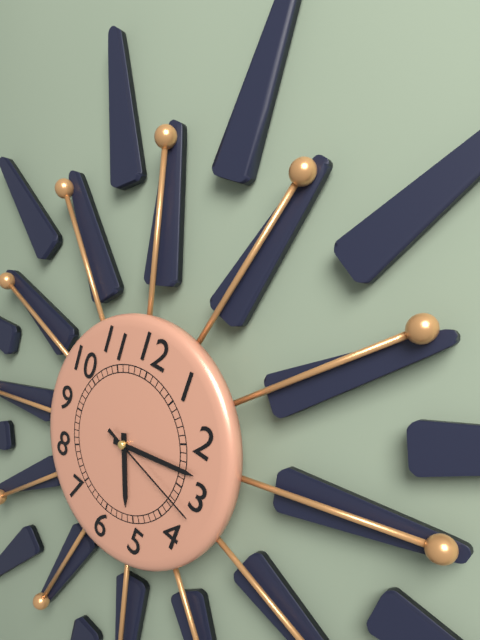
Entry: 5 h 13 min 17 s
